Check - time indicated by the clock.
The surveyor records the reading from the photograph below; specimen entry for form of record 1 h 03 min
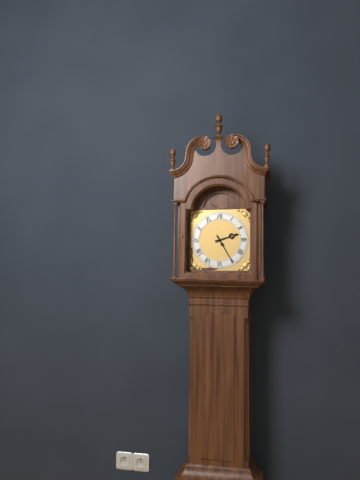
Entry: 2 h 25 min
